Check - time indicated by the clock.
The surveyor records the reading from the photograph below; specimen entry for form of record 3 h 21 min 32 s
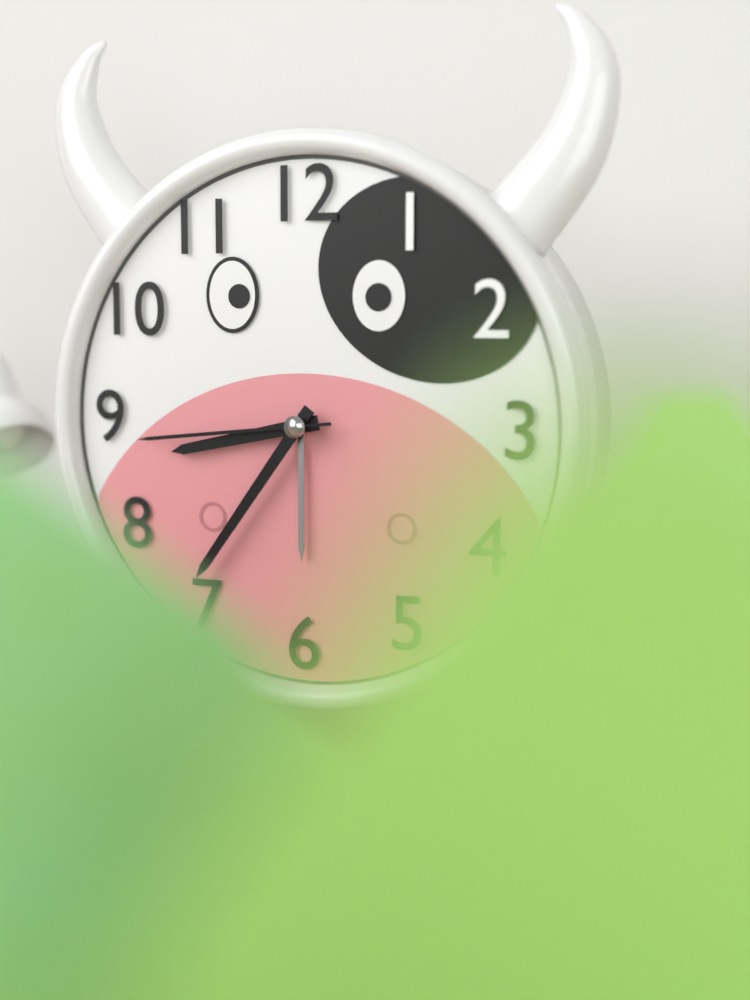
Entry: 8 h 36 min 44 s
